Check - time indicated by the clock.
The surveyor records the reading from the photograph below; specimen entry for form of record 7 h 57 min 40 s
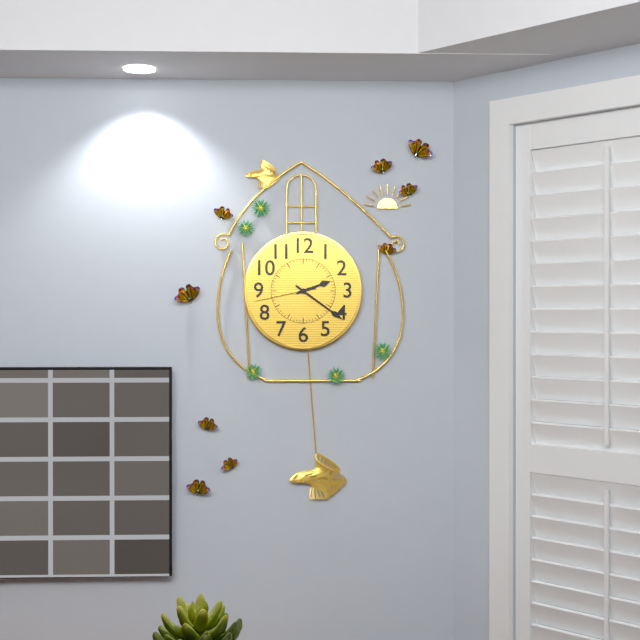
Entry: 2 h 21 min 43 s
